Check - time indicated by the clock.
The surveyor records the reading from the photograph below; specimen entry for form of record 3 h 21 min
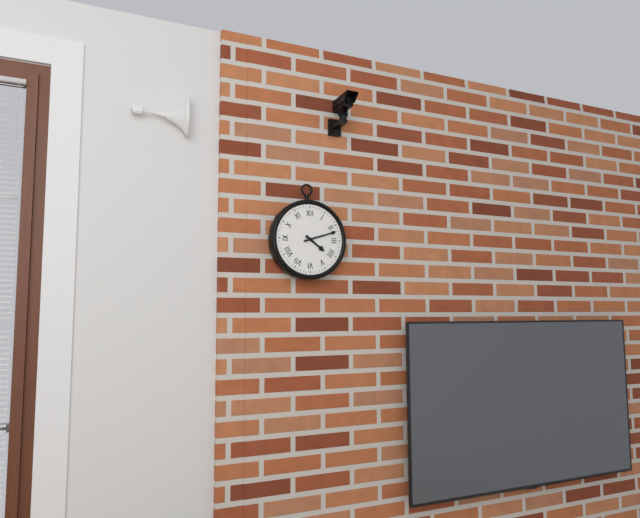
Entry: 4 h 12 min
